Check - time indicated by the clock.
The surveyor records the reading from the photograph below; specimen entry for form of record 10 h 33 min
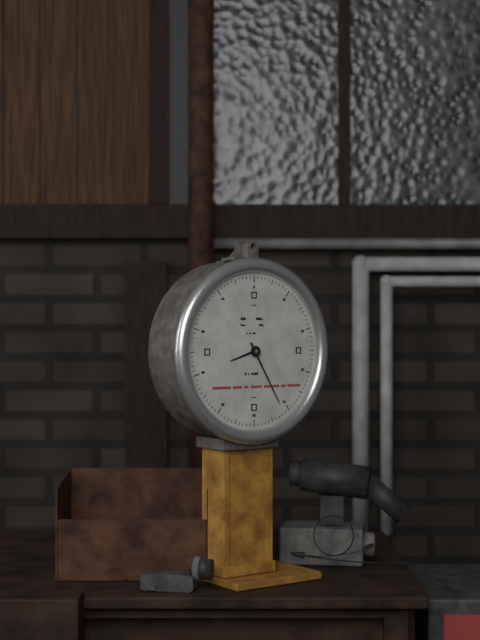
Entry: 8 h 25 min
